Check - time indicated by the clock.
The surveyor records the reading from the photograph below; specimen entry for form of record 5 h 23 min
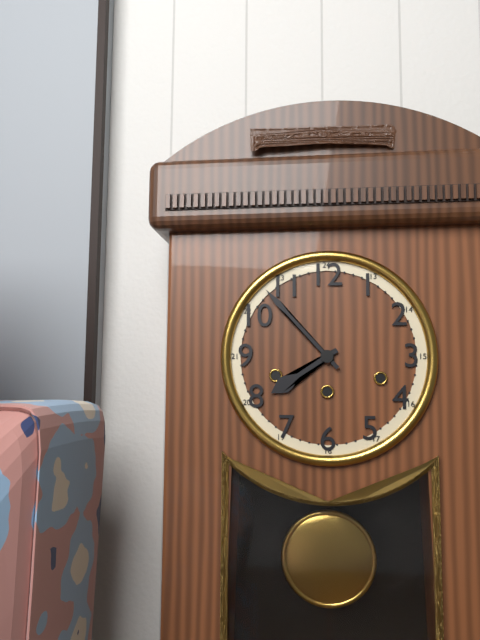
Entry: 7 h 53 min
